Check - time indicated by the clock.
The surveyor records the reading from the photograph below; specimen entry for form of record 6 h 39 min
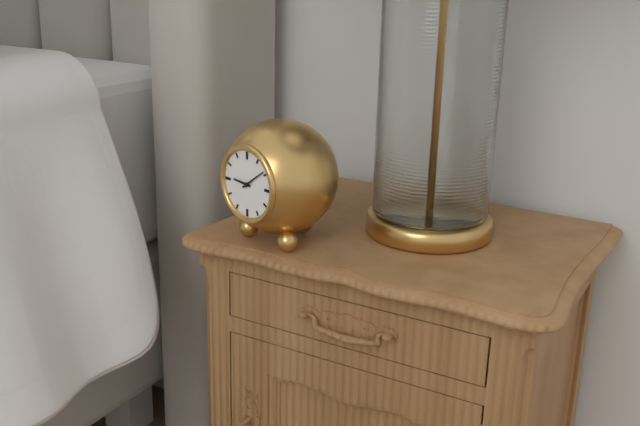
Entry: 9 h 09 min
